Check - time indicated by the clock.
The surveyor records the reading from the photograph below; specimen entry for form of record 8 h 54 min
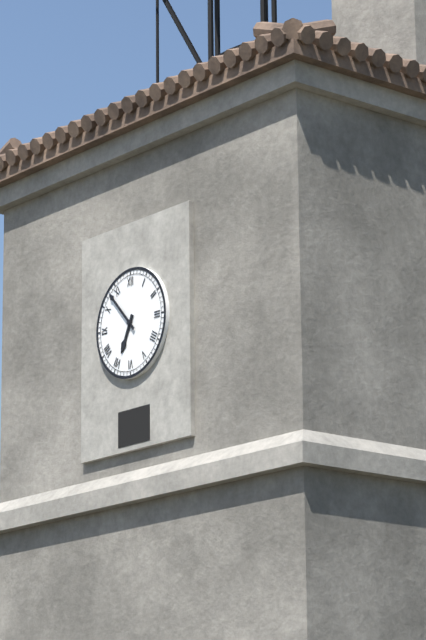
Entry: 6 h 53 min
